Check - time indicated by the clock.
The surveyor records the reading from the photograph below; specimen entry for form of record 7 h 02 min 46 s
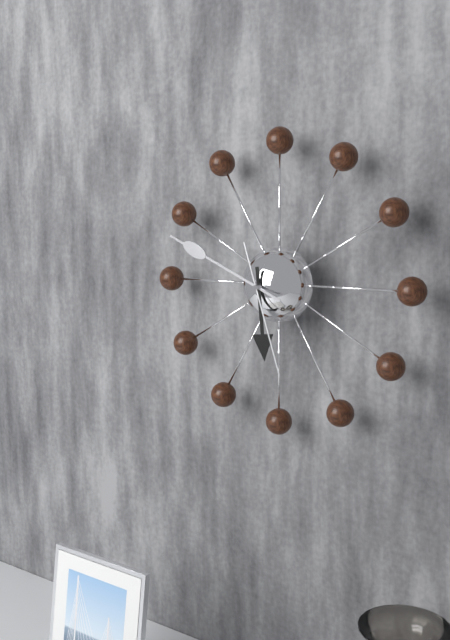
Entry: 5 h 49 min 27 s
